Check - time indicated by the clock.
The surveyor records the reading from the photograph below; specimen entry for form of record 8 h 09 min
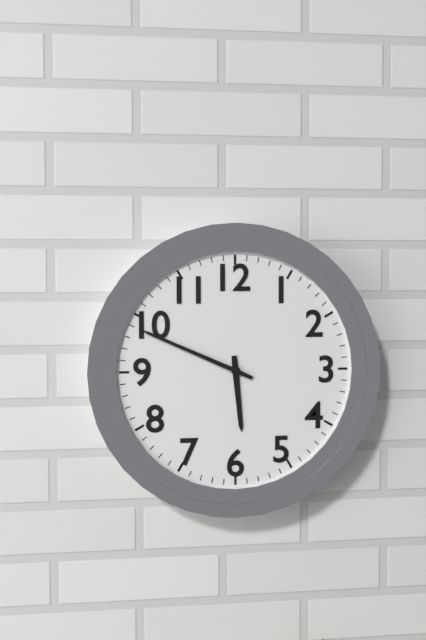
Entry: 5 h 49 min
